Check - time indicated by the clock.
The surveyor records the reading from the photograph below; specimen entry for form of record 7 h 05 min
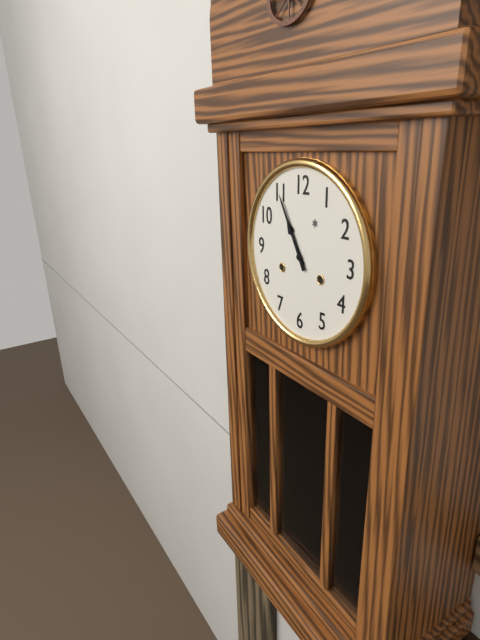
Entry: 10 h 55 min
